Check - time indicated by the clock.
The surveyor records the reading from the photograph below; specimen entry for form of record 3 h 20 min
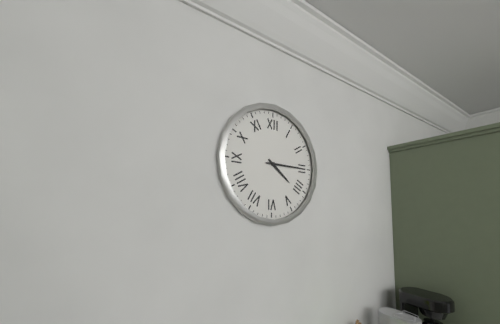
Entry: 4 h 15 min
